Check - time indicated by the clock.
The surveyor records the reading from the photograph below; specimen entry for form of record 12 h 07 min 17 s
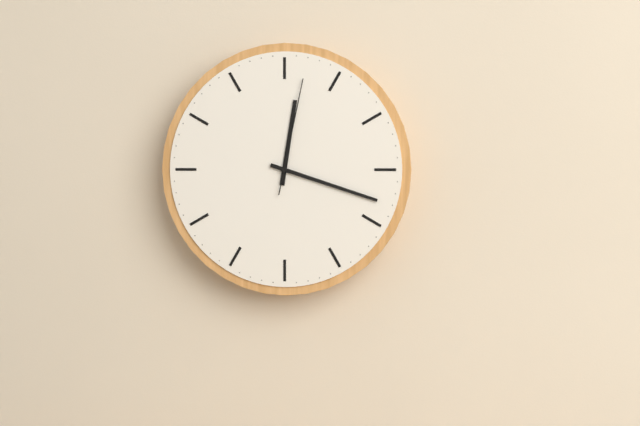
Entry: 12 h 18 min 02 s
